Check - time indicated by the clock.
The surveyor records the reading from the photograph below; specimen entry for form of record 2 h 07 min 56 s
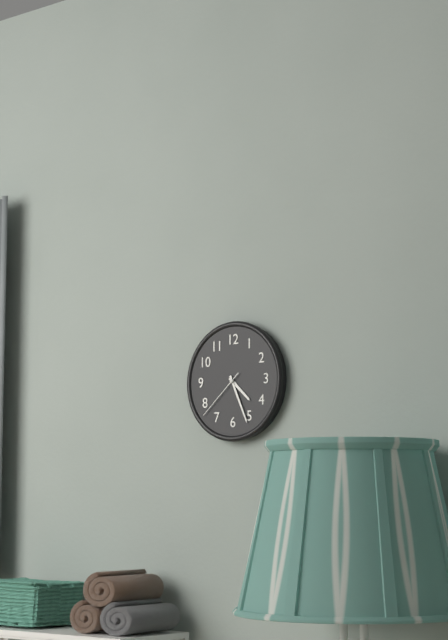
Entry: 4 h 26 min 38 s
